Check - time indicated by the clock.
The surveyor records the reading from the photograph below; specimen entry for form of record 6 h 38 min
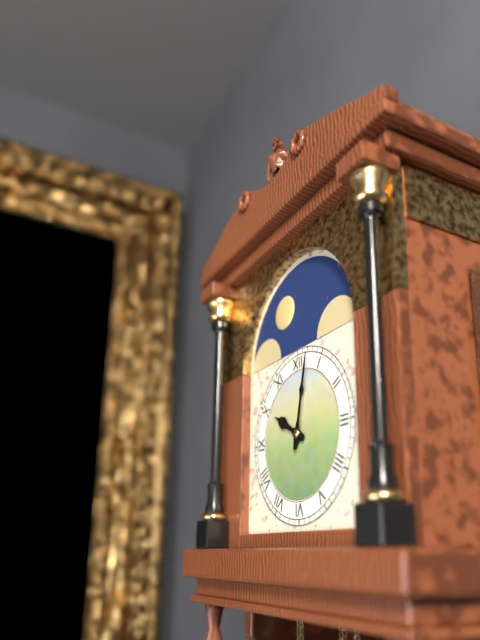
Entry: 10 h 02 min
